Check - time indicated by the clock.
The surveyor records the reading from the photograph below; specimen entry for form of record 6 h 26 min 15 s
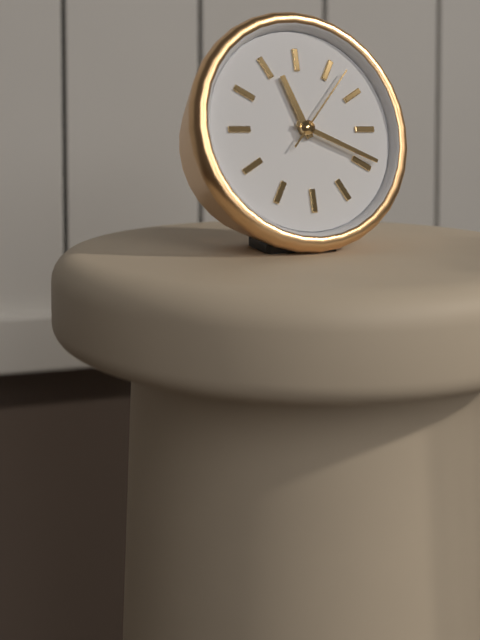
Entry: 11 h 19 min 07 s
